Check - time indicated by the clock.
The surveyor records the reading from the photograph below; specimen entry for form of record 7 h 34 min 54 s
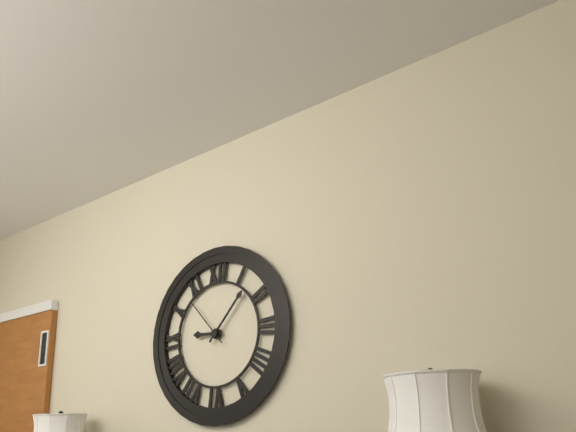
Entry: 9 h 07 min 53 s
